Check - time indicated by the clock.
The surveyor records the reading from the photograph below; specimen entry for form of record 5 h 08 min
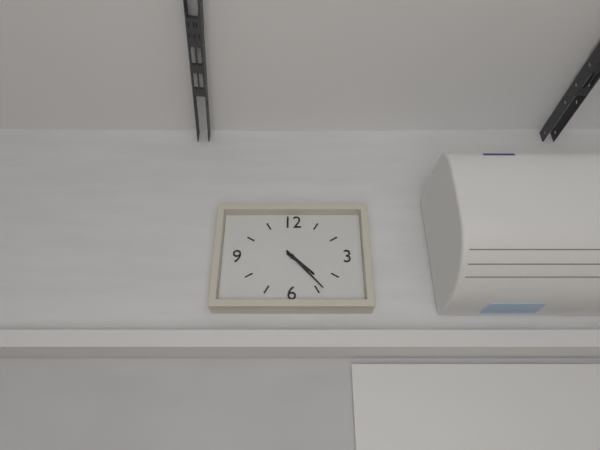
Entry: 4 h 23 min
